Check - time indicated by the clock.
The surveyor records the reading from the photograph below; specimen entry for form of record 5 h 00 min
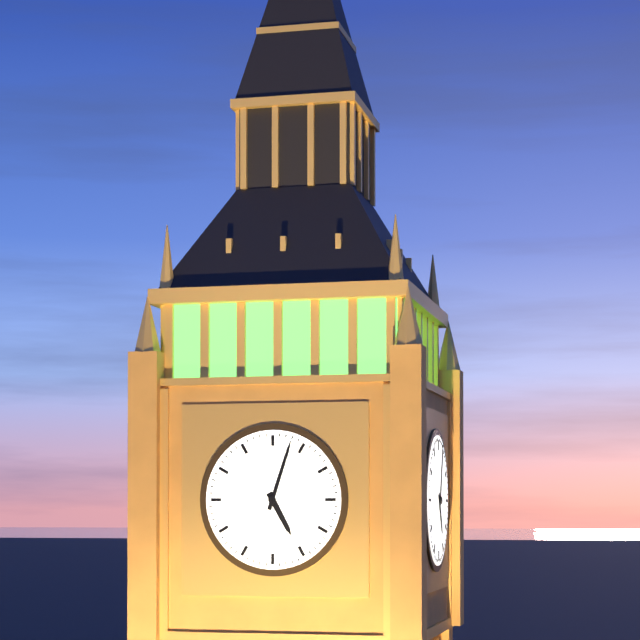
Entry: 5 h 03 min
